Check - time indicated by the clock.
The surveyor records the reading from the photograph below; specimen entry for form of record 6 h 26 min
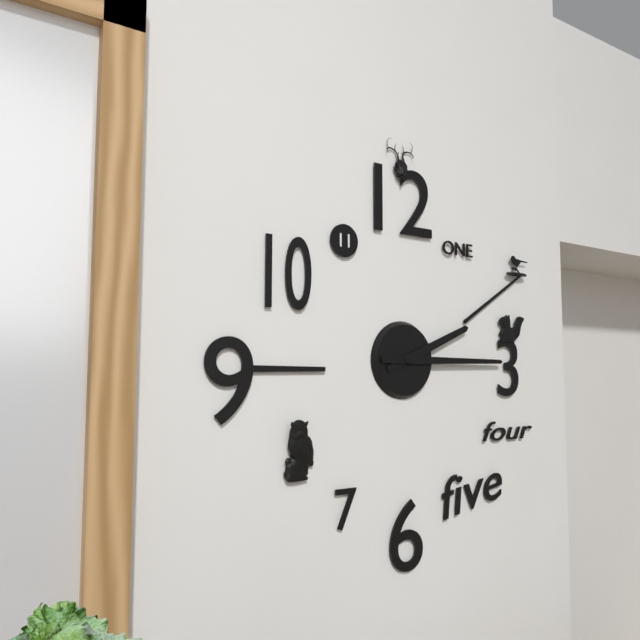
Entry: 2 h 15 min
